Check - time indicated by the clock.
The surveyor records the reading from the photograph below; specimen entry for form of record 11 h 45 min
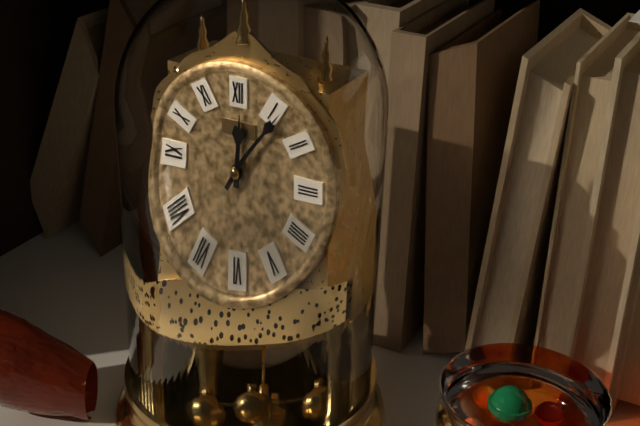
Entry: 12 h 06 min
